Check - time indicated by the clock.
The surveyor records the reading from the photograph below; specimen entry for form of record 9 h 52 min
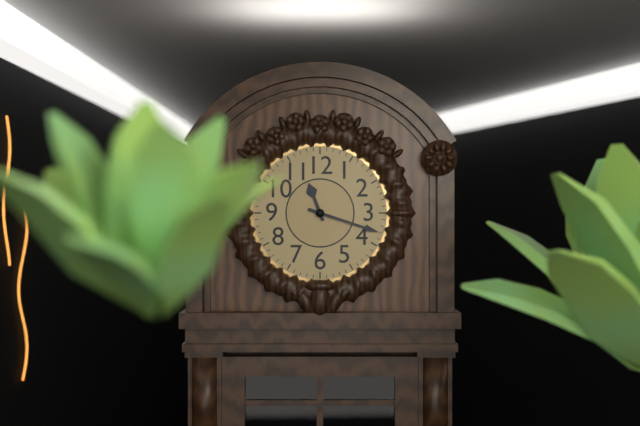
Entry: 11 h 18 min
